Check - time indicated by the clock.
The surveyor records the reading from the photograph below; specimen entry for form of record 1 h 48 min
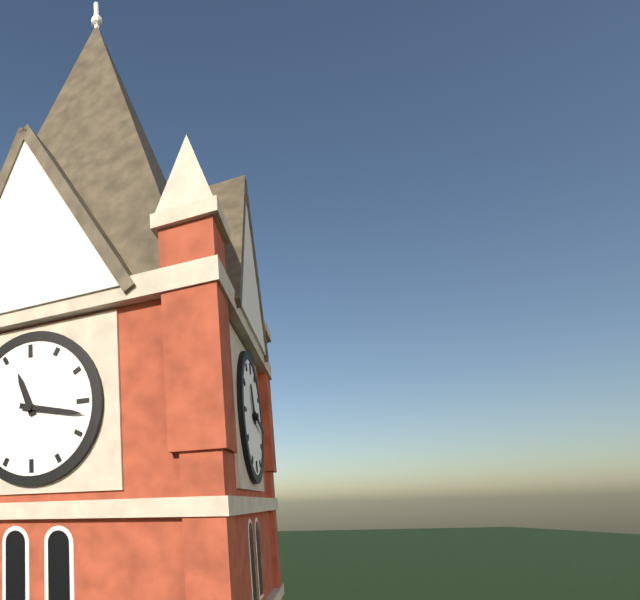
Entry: 11 h 17 min
